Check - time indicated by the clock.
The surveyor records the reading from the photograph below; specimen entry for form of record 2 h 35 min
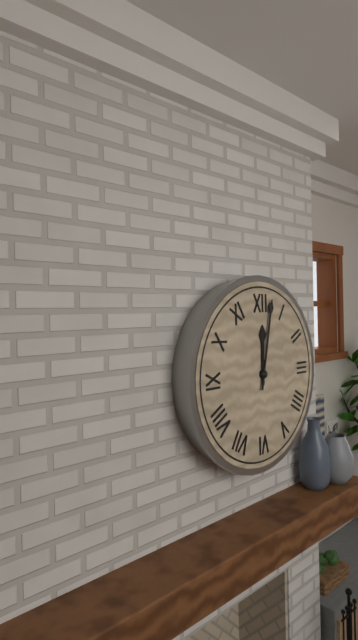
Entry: 12 h 02 min
